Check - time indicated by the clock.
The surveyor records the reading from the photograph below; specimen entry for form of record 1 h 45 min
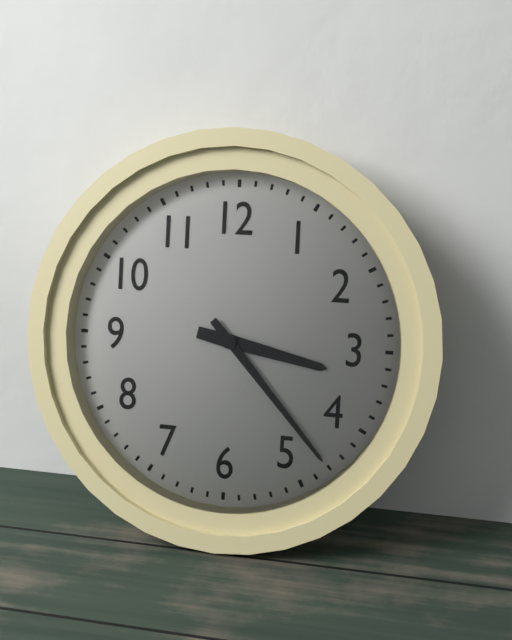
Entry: 3 h 23 min
